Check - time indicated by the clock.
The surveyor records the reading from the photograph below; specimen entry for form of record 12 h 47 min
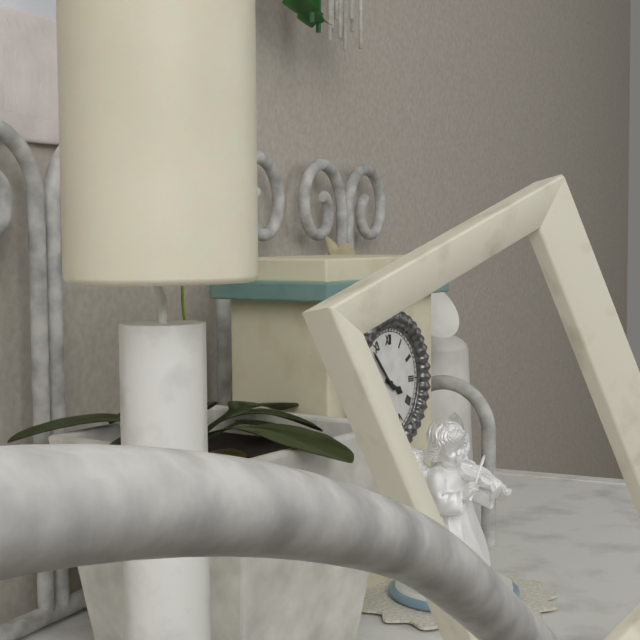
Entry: 3 h 53 min
